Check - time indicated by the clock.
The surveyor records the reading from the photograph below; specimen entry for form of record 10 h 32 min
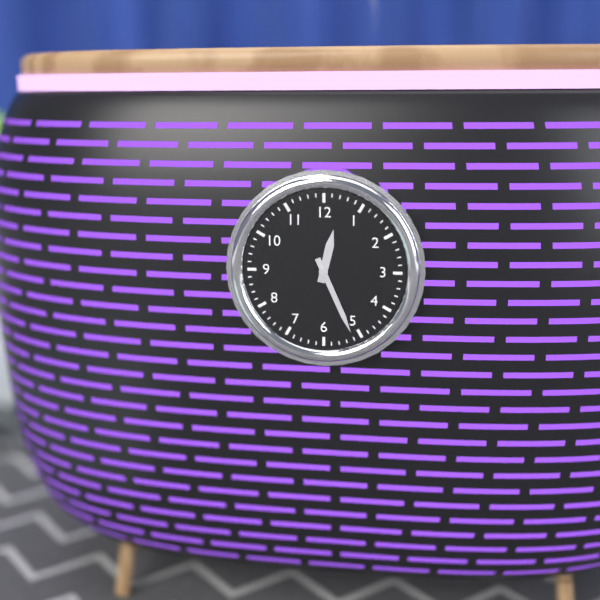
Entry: 12 h 26 min
